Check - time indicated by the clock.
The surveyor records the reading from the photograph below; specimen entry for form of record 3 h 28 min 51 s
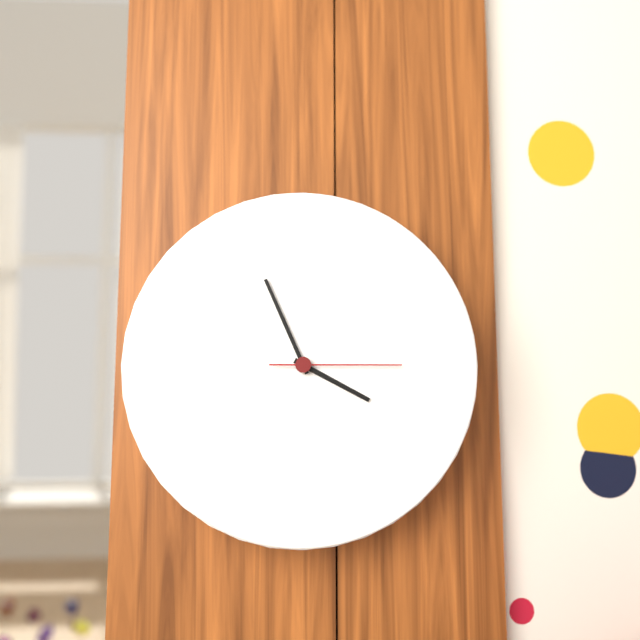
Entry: 3 h 56 min 15 s
